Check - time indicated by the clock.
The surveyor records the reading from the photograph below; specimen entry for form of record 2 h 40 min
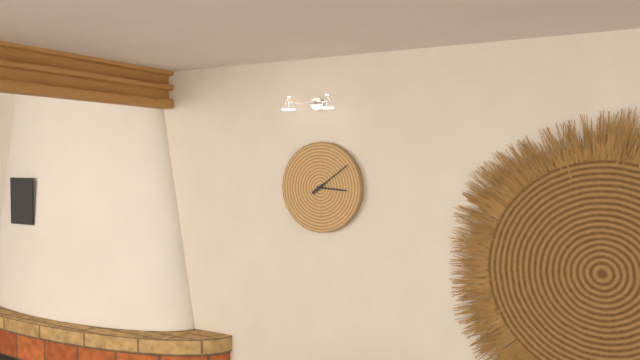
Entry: 3 h 09 min
